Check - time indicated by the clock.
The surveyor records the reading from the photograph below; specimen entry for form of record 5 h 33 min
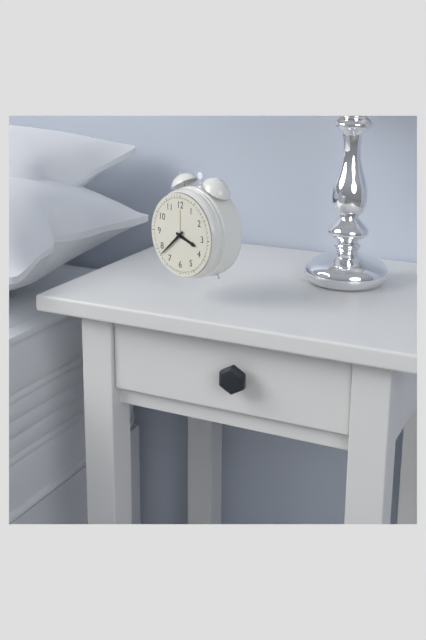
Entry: 3 h 38 min
